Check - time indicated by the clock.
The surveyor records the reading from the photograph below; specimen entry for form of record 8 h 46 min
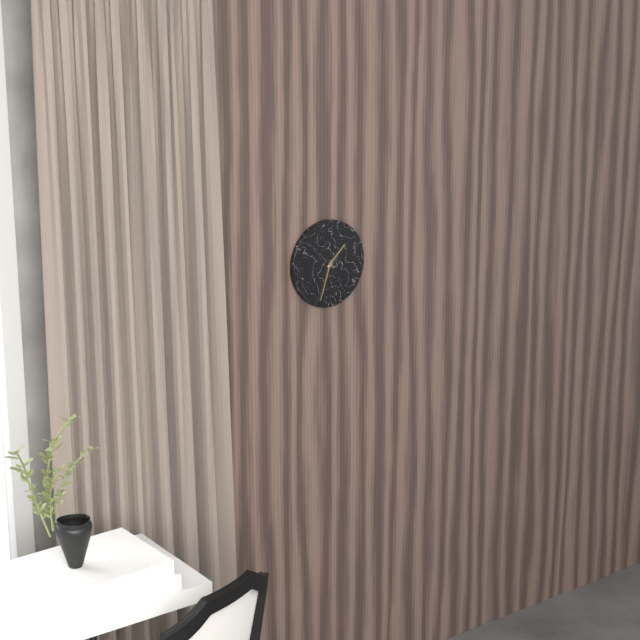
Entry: 1 h 33 min
